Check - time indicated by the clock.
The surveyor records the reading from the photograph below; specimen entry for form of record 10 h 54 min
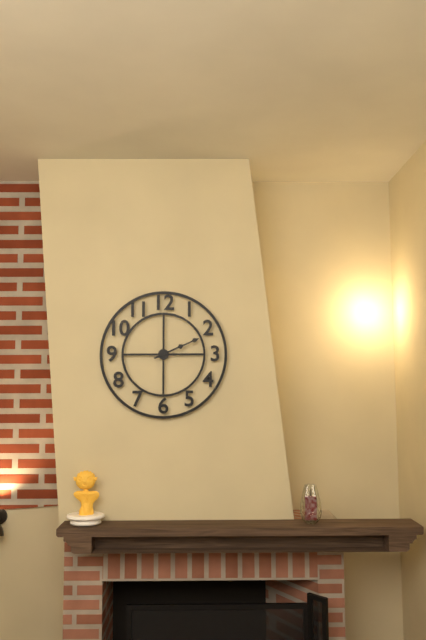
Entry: 2 h 11 min
